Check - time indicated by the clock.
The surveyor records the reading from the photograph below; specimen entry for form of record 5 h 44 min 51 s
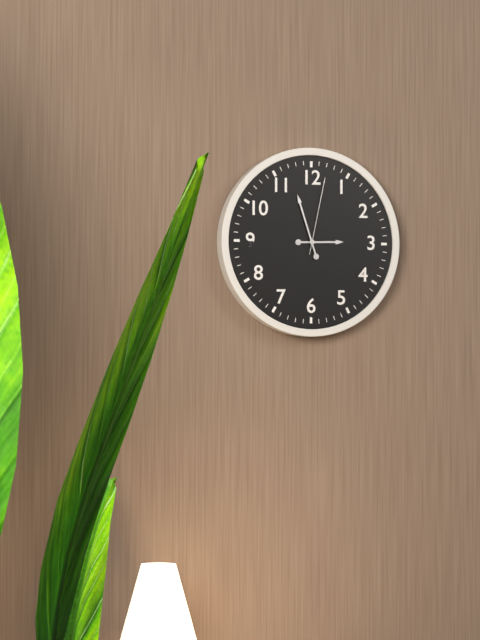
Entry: 2 h 57 min 02 s
